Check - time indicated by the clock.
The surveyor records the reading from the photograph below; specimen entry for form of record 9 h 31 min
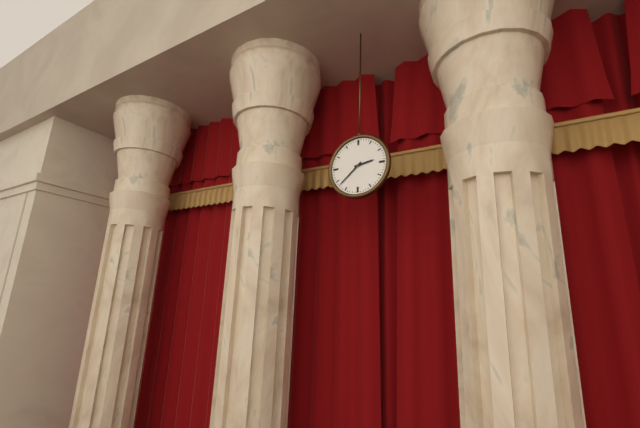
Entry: 2 h 38 min
